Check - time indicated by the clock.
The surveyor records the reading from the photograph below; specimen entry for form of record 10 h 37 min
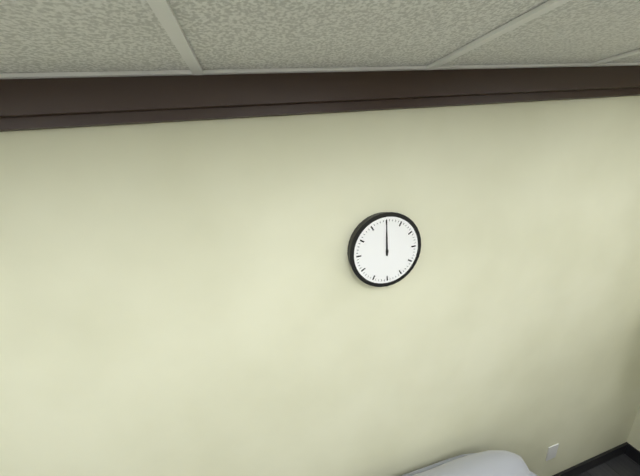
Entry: 12 h 00 min
